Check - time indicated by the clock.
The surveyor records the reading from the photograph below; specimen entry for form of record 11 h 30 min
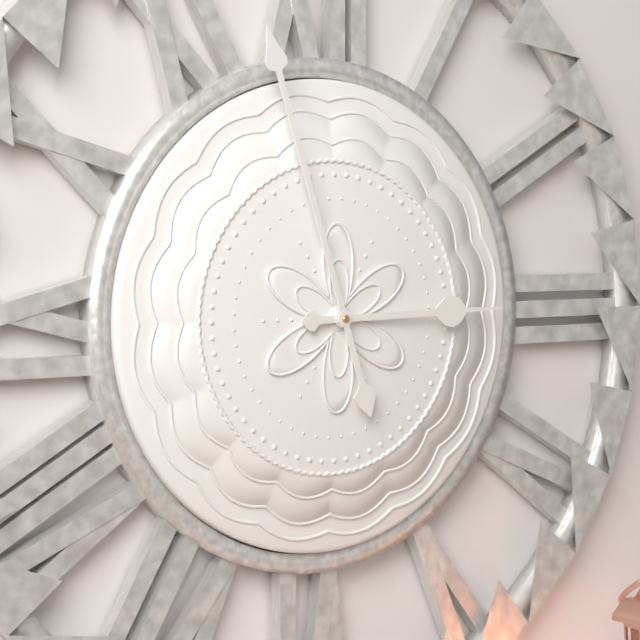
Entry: 2 h 57 min
